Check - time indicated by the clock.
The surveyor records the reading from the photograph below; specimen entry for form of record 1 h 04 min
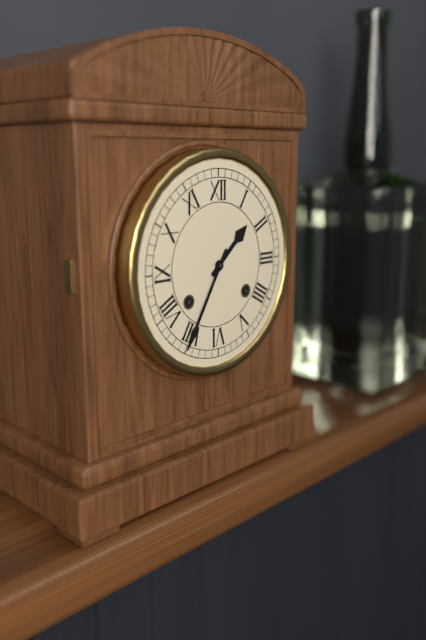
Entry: 1 h 35 min
